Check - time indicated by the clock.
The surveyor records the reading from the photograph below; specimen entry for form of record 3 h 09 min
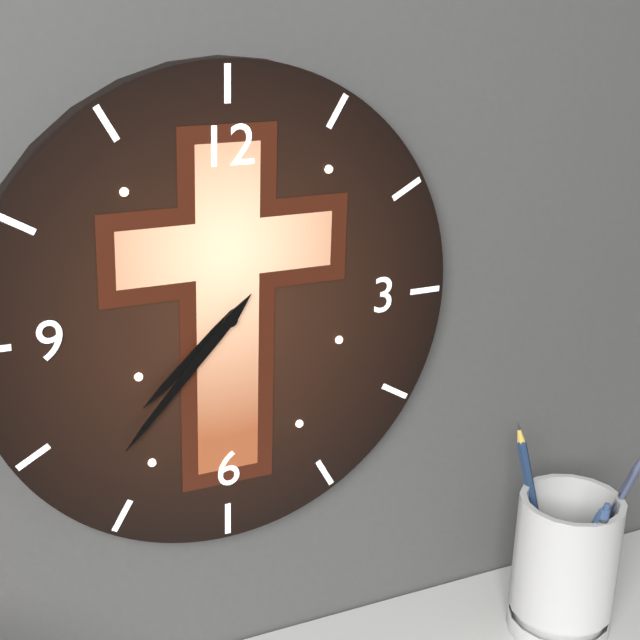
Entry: 7 h 37 min
